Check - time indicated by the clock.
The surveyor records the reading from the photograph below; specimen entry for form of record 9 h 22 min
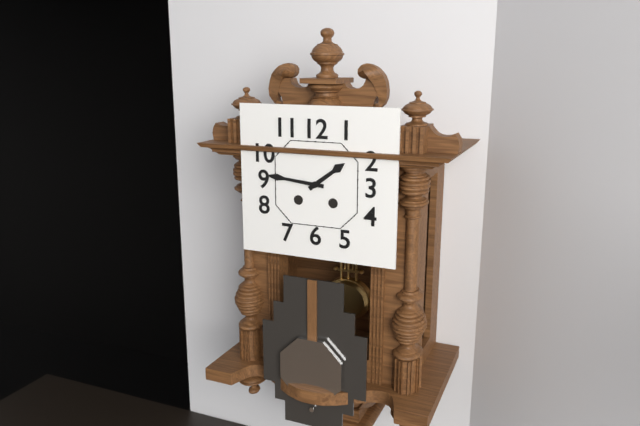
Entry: 1 h 46 min
